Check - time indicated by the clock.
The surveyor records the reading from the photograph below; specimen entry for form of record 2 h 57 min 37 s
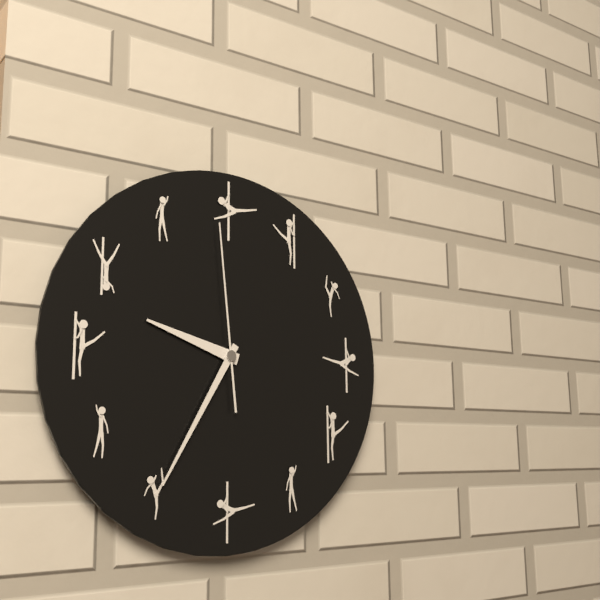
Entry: 9 h 35 min 59 s
